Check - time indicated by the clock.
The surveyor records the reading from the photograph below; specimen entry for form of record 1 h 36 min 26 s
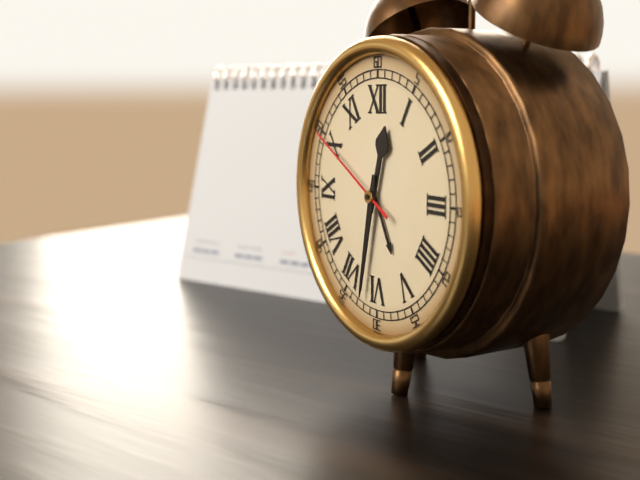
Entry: 12 h 32 min 50 s
